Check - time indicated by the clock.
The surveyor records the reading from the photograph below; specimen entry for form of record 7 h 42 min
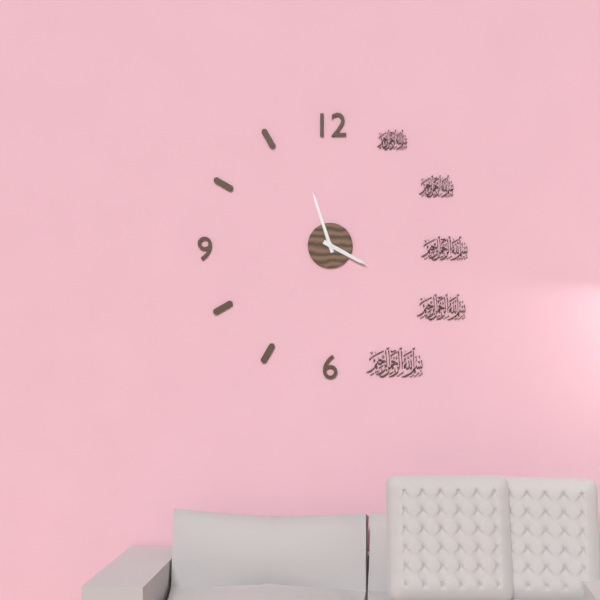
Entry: 3 h 57 min
